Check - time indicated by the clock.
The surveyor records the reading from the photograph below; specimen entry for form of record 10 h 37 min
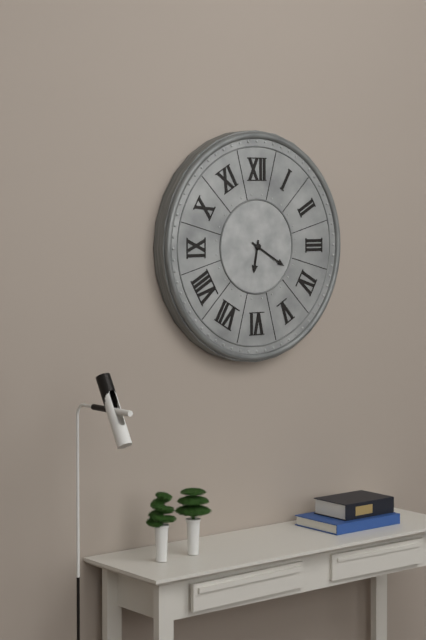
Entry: 6 h 20 min
